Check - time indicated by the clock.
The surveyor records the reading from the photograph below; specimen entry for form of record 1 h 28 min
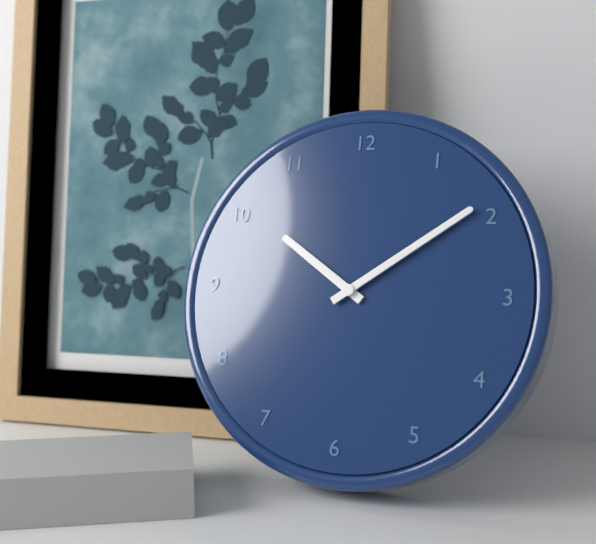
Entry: 10 h 09 min
